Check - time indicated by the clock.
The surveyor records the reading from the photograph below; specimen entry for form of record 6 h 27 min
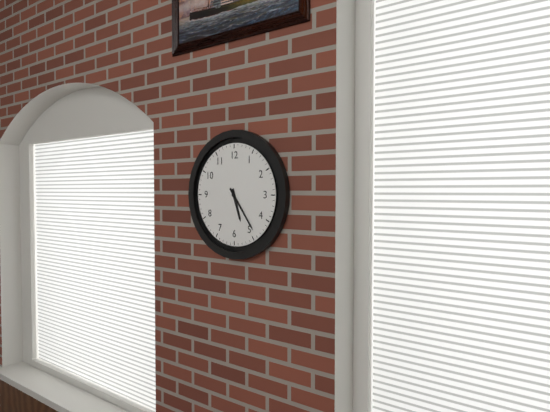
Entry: 5 h 24 min
